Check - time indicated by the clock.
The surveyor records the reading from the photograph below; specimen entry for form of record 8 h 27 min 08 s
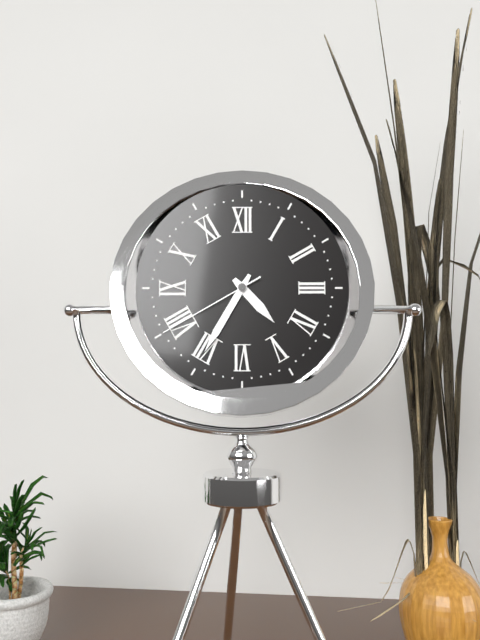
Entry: 4 h 35 min 40 s
